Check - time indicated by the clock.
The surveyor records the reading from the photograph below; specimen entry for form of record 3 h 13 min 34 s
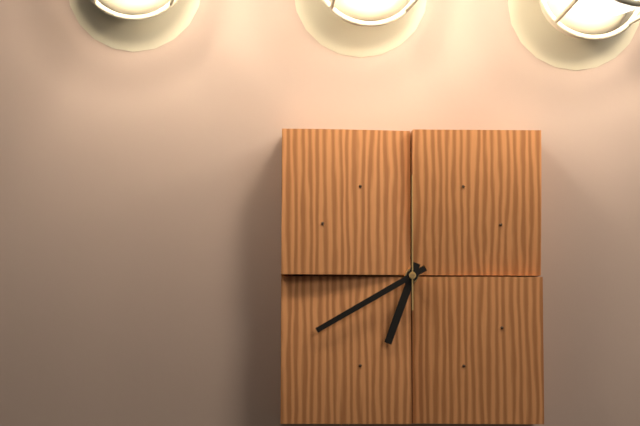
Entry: 6 h 40 min 00 s
